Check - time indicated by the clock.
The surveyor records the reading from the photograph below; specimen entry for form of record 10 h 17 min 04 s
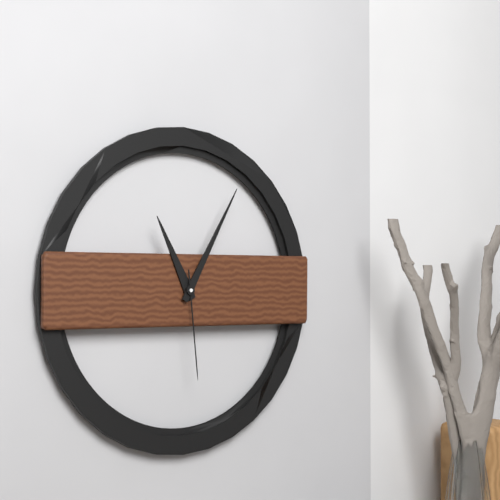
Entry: 11 h 05 min 29 s
